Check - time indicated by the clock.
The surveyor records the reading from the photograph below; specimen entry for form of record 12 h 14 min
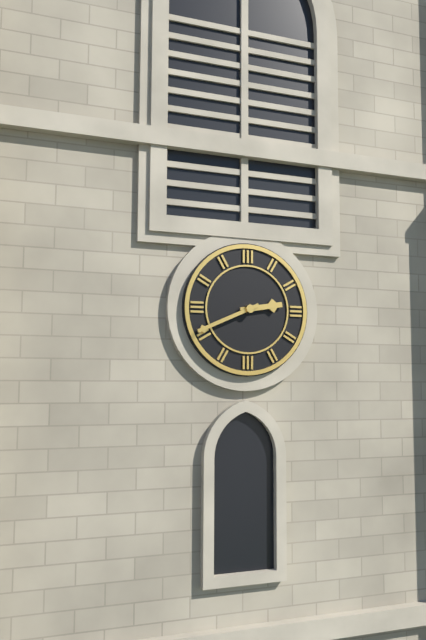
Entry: 2 h 41 min
